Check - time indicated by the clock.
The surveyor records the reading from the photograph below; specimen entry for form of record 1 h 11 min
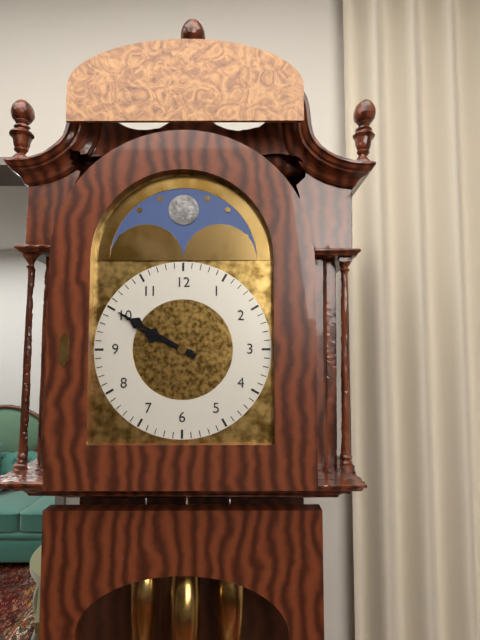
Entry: 9 h 50 min
